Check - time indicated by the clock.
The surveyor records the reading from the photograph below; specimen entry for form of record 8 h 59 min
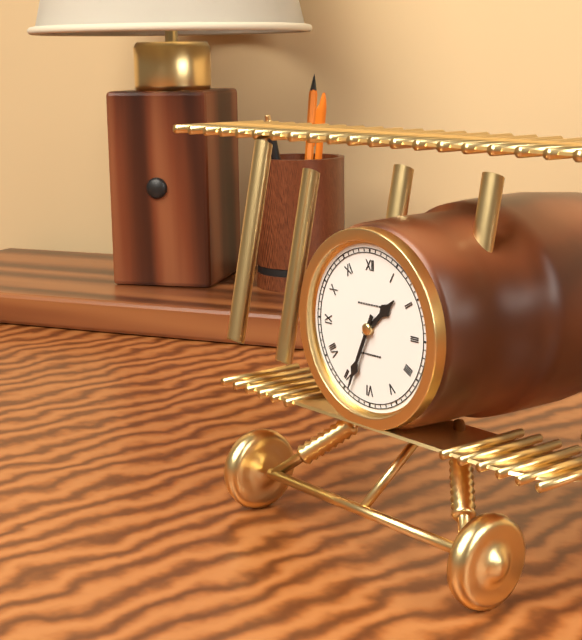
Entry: 1 h 34 min
